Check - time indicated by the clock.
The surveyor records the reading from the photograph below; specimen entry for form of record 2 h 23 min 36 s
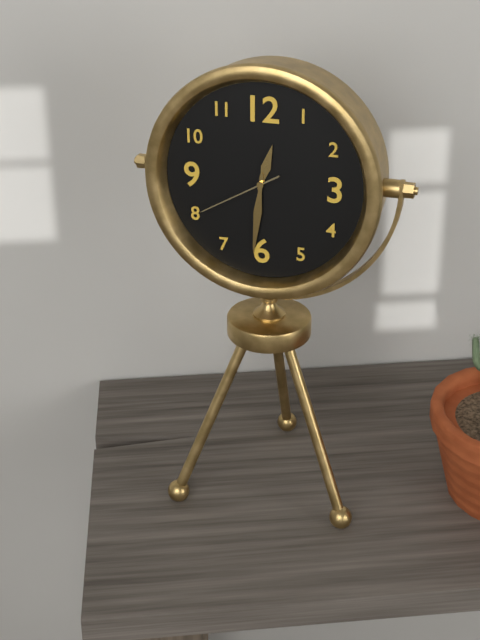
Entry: 12 h 31 min 40 s
